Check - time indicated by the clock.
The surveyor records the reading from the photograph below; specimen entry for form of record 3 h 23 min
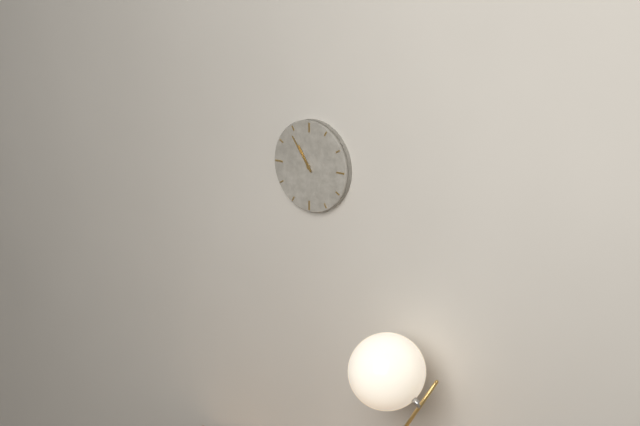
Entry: 10 h 54 min
